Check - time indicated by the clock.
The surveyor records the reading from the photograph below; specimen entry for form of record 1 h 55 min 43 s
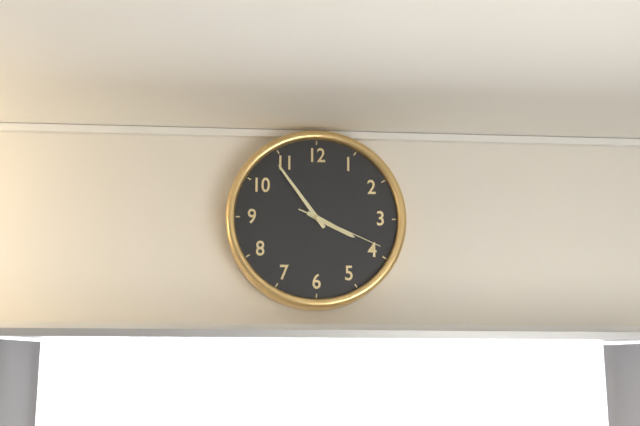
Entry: 3 h 54 min 19 s
